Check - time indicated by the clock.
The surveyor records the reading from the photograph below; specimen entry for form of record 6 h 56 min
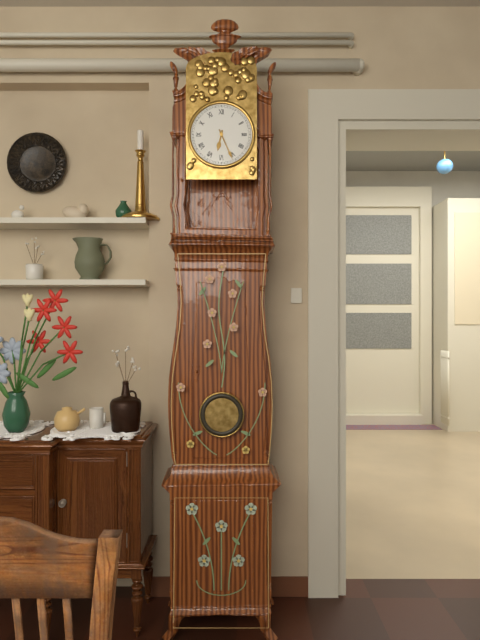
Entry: 6 h 26 min
